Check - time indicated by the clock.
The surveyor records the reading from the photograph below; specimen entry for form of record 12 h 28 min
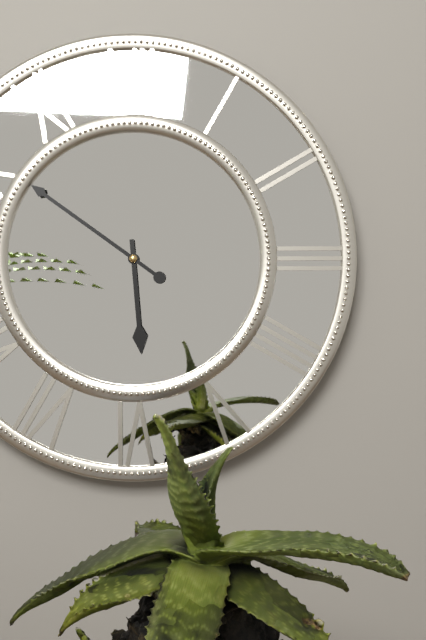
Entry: 5 h 51 min
